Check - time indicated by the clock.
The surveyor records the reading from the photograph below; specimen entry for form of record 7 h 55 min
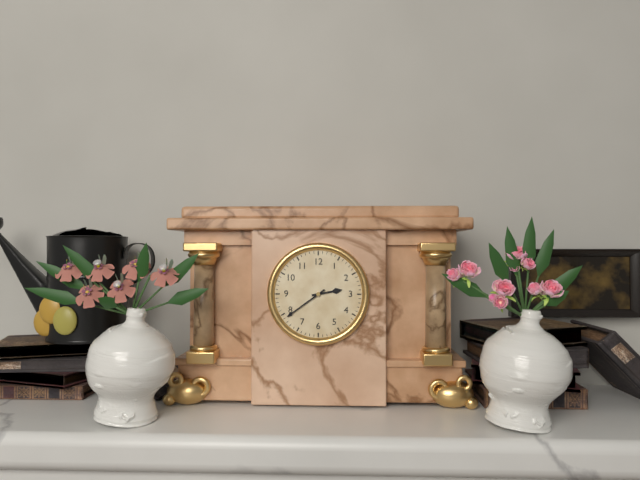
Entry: 2 h 39 min
